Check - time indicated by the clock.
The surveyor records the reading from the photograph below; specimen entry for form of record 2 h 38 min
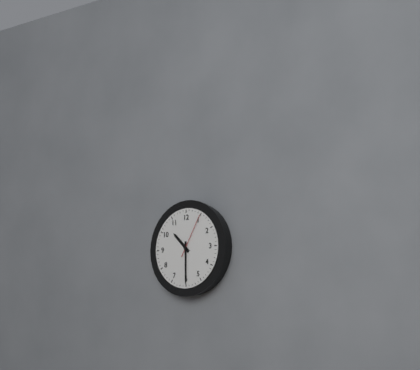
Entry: 10 h 30 min
